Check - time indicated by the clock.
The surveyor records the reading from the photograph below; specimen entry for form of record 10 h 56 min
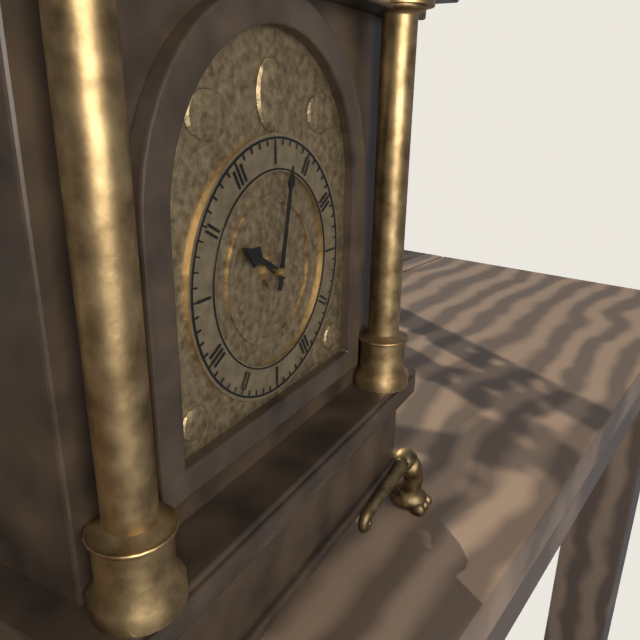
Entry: 10 h 02 min
